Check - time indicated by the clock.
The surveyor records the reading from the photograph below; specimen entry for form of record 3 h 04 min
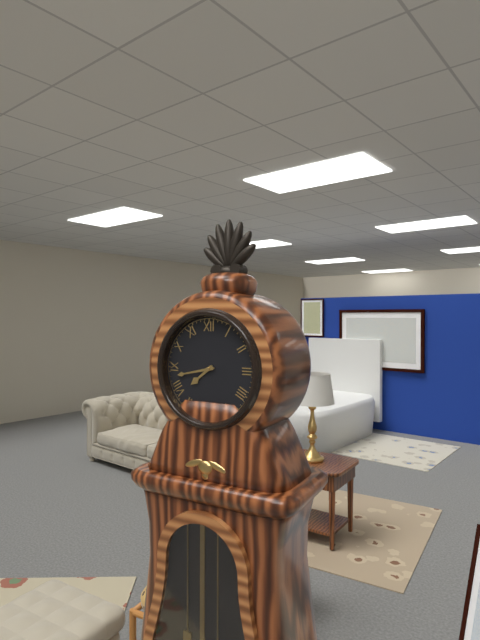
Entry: 7 h 43 min
